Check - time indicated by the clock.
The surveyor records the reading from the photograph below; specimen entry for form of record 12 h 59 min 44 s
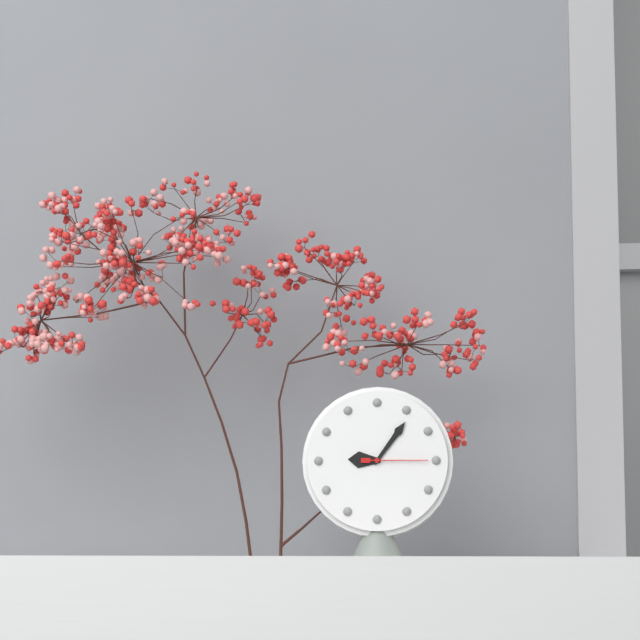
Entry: 9 h 06 min 15 s
